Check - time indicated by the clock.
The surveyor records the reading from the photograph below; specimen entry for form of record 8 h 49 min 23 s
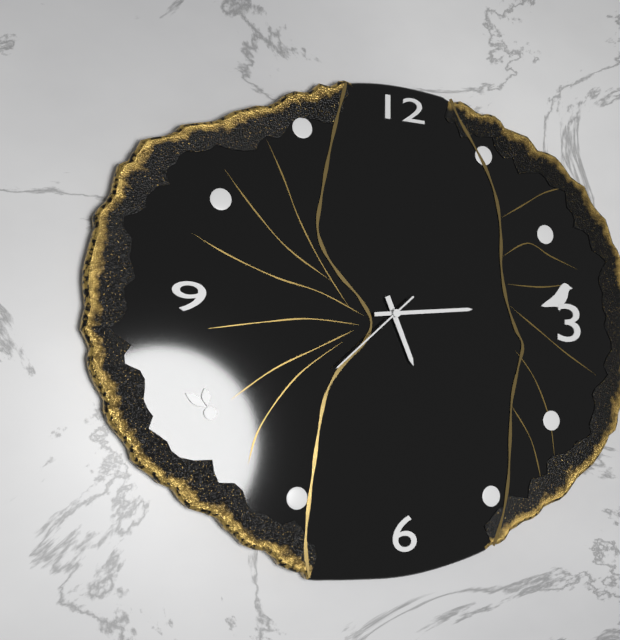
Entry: 5 h 14 min 38 s
